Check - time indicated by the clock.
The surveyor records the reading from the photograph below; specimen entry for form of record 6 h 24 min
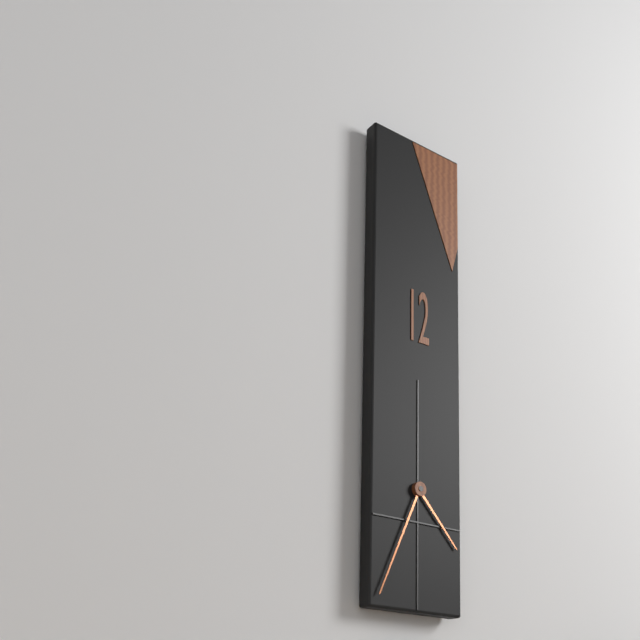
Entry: 4 h 34 min
